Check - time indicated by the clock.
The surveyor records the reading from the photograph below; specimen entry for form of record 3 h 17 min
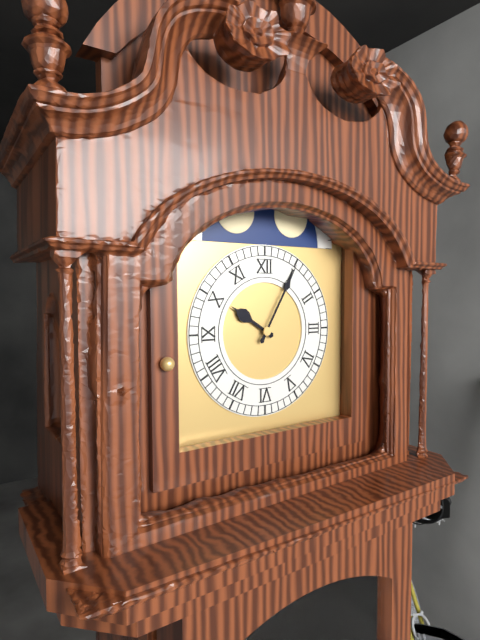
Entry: 10 h 05 min
